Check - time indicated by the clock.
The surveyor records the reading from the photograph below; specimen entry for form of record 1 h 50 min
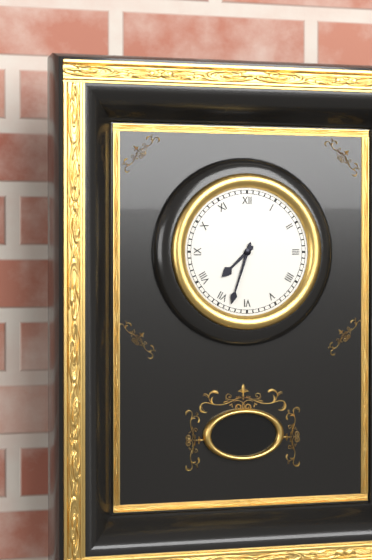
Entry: 7 h 33 min
